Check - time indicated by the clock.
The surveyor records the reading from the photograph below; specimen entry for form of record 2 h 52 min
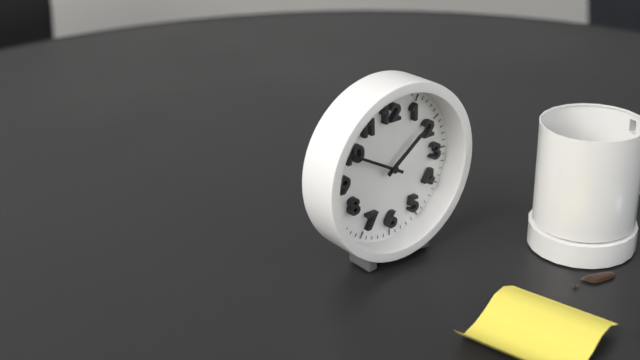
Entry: 1 h 50 min
